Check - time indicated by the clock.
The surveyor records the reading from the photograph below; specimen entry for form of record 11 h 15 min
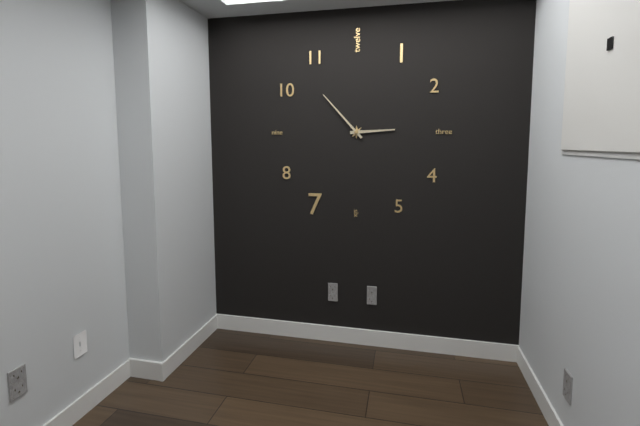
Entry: 2 h 53 min
